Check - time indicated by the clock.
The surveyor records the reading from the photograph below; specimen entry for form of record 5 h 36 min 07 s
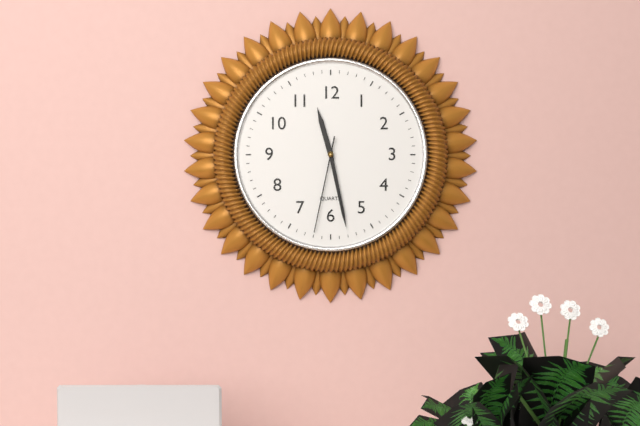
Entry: 11 h 28 min 32 s
